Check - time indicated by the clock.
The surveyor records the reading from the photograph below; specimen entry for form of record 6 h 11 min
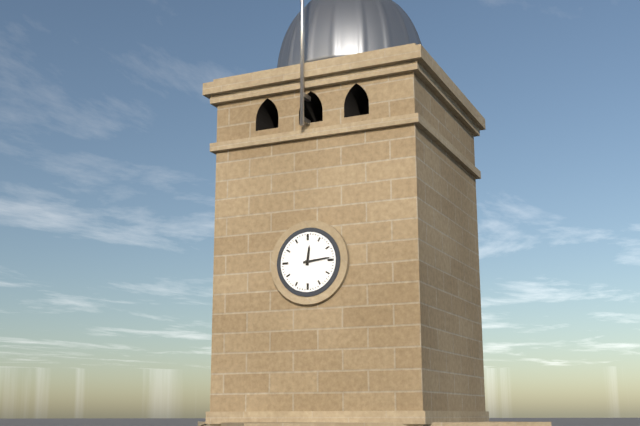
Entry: 12 h 14 min
